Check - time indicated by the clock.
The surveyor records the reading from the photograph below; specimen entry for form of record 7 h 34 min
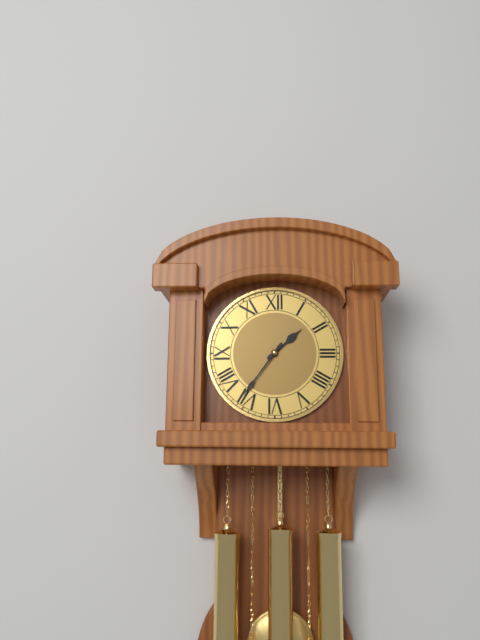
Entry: 1 h 36 min
